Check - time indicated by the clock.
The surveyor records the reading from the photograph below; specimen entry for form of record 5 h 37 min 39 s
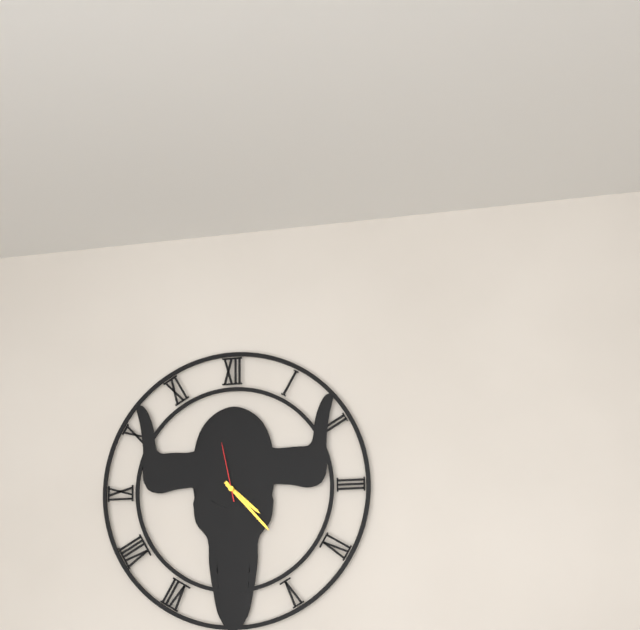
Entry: 4 h 23 min 58 s
